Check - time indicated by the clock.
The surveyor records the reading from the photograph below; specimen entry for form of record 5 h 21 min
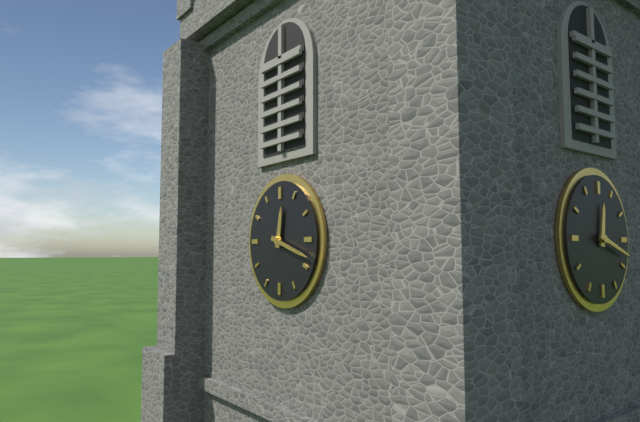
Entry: 12 h 18 min
